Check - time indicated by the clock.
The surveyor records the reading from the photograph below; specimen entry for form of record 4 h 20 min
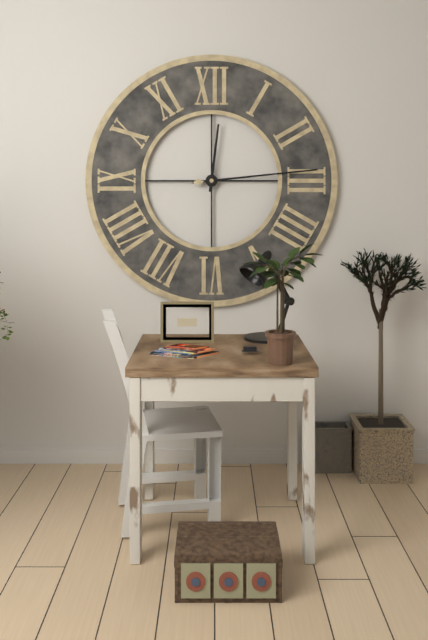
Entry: 12 h 14 min
